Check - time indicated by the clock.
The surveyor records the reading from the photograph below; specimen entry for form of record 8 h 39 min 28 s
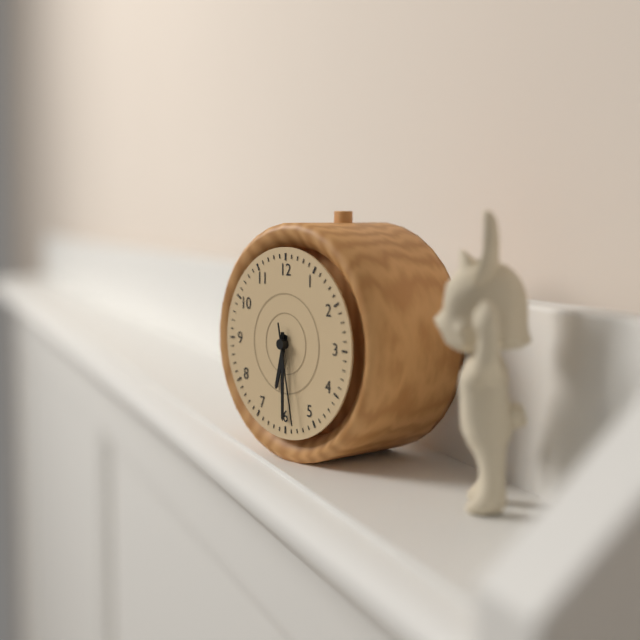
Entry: 6 h 30 min 28 s
